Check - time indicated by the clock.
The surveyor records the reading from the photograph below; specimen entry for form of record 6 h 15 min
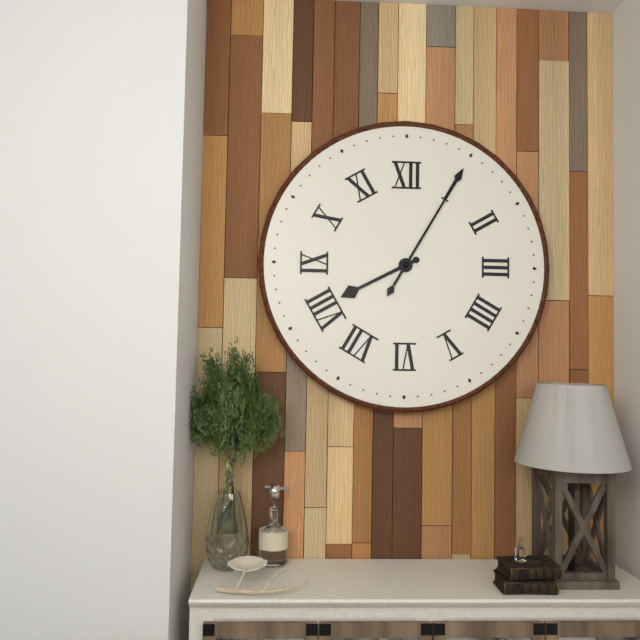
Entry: 8 h 05 min
